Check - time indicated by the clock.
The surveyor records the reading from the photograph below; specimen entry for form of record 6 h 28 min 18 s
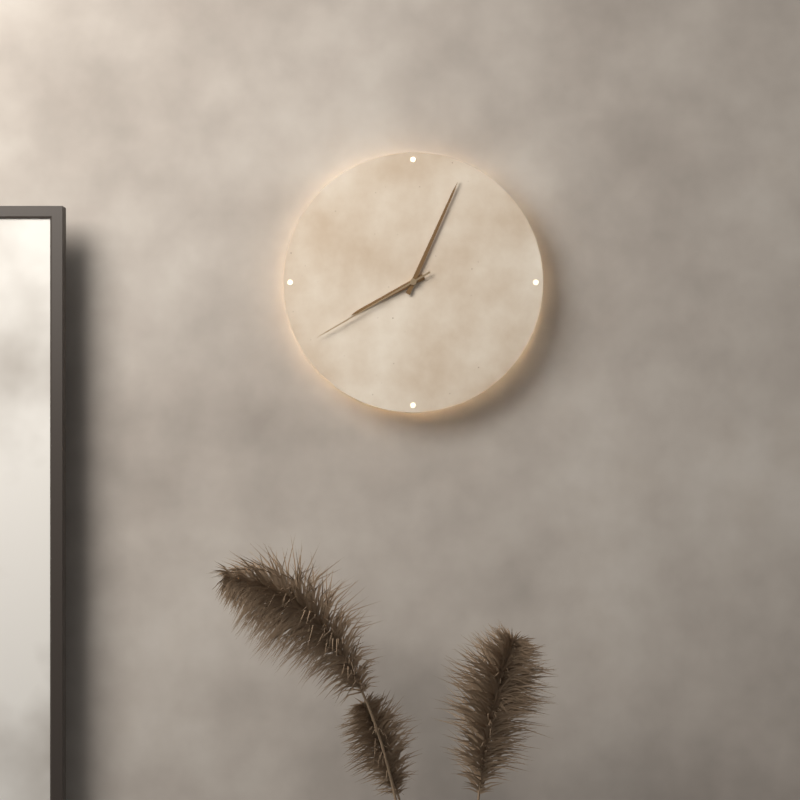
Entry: 8 h 04 min 40 s
